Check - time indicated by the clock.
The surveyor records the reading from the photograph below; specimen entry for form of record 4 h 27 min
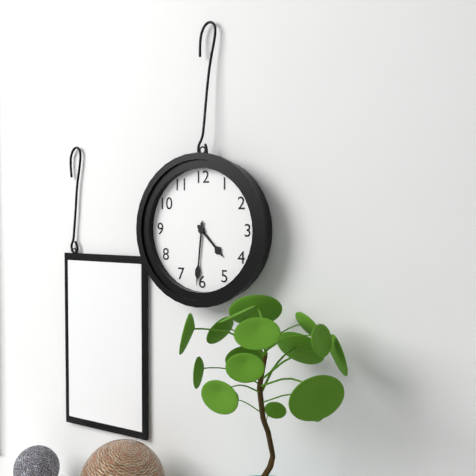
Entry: 4 h 31 min
